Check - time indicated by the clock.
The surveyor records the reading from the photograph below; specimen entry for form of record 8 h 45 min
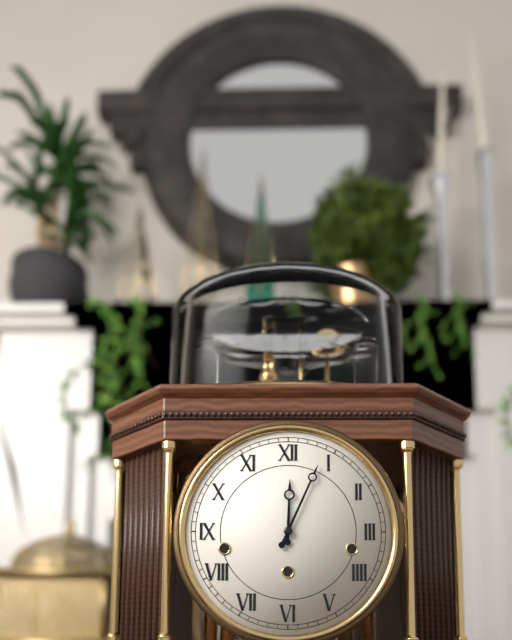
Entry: 12 h 04 min
